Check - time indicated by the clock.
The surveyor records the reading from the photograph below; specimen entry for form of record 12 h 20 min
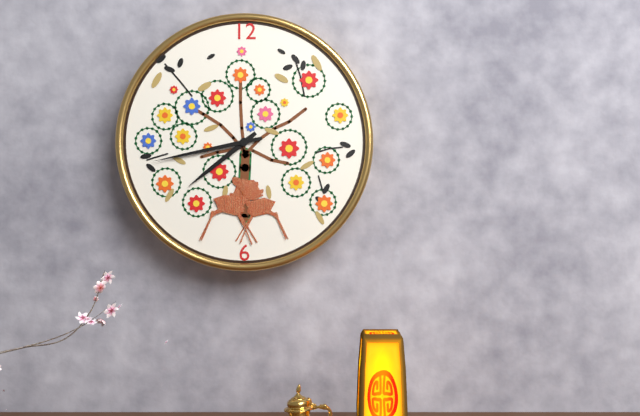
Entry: 7 h 43 min
